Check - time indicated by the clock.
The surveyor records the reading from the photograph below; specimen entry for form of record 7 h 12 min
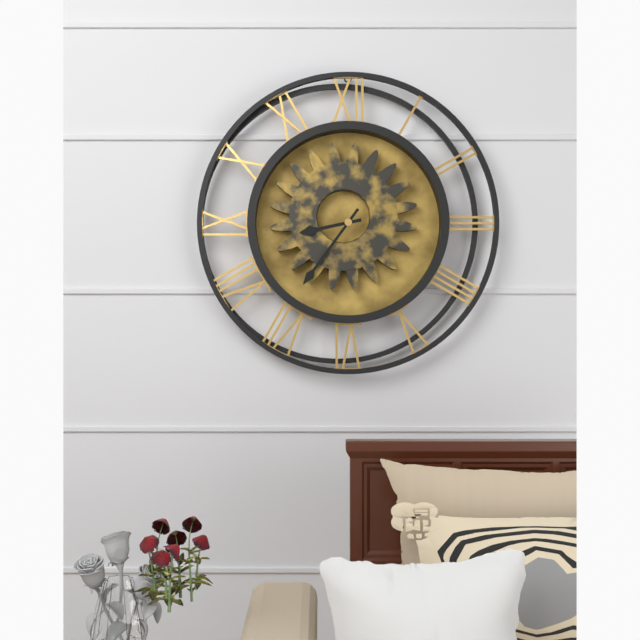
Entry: 8 h 36 min
